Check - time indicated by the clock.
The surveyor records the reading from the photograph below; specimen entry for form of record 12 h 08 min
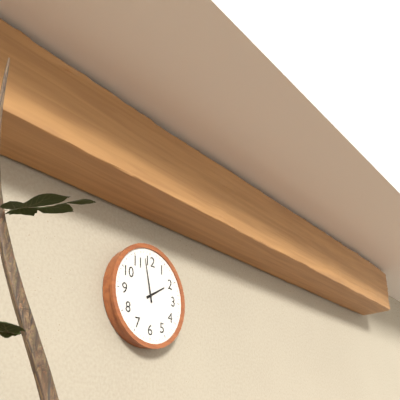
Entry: 1 h 58 min
